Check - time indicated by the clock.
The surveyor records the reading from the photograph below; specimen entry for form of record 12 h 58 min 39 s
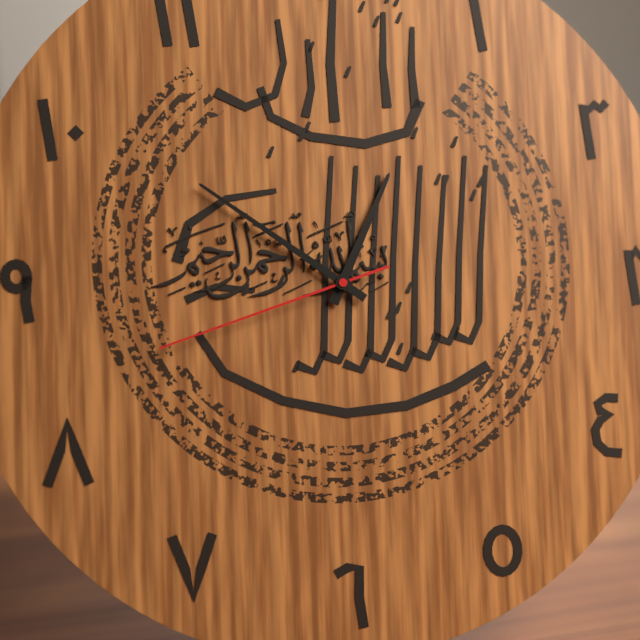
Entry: 12 h 51 min 42 s
